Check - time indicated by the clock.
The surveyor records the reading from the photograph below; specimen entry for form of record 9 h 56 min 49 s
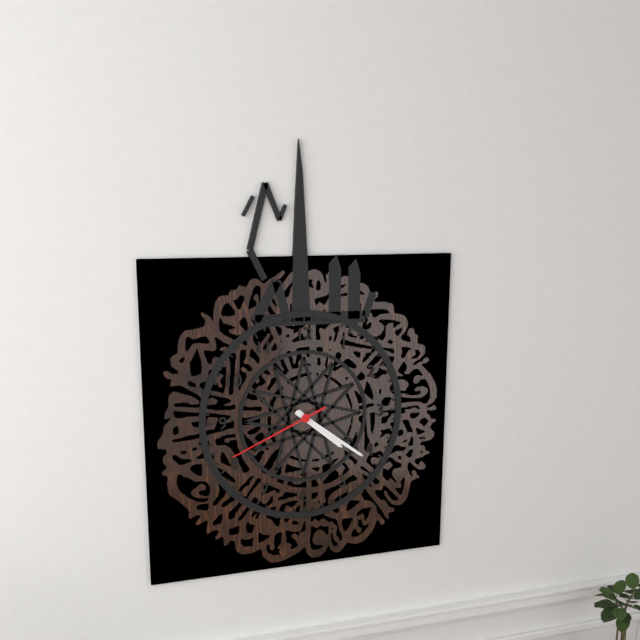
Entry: 4 h 21 min 41 s
